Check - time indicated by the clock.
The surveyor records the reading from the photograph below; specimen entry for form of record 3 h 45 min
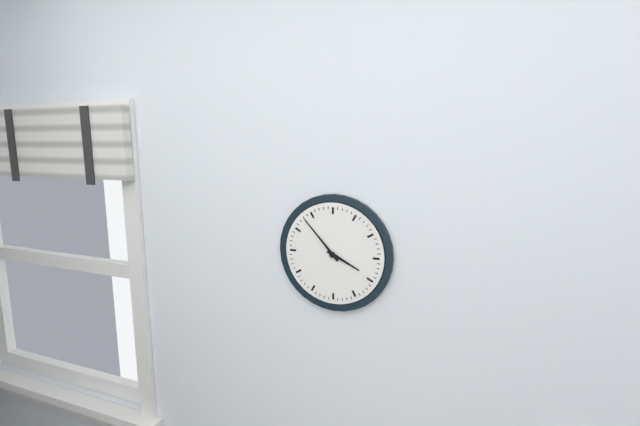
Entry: 3 h 53 min
